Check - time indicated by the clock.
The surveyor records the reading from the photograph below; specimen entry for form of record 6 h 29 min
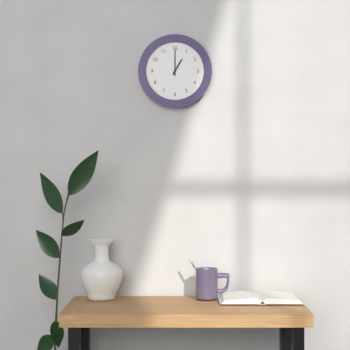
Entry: 1 h 00 min
